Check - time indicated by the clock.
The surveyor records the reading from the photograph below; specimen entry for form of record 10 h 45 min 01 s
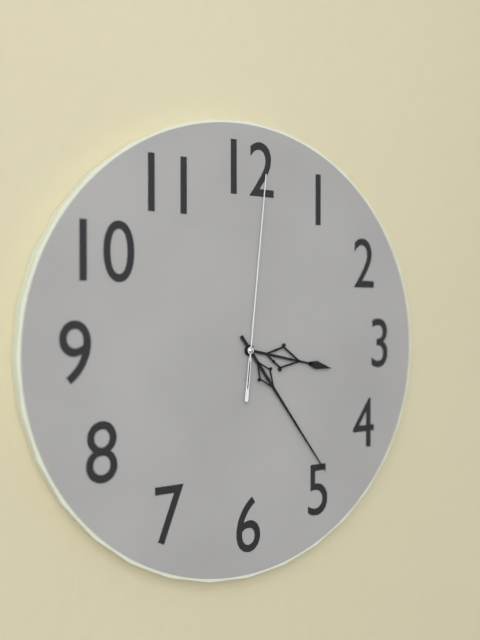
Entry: 3 h 24 min 01 s
